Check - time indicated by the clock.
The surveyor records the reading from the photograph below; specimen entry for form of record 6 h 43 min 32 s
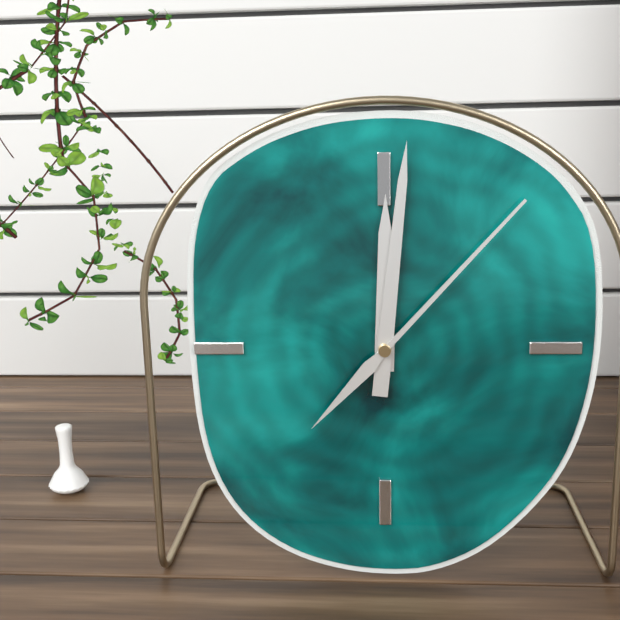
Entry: 12 h 01 min 07 s
